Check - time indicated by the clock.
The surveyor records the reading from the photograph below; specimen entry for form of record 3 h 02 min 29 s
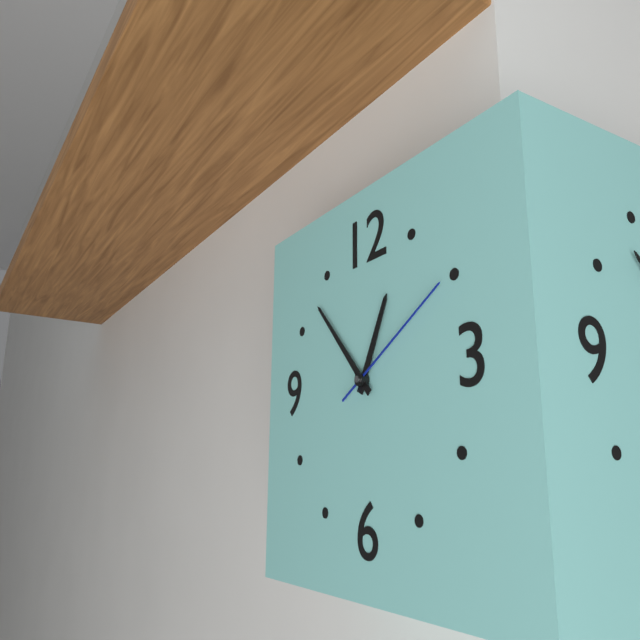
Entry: 12 h 53 min 10 s
